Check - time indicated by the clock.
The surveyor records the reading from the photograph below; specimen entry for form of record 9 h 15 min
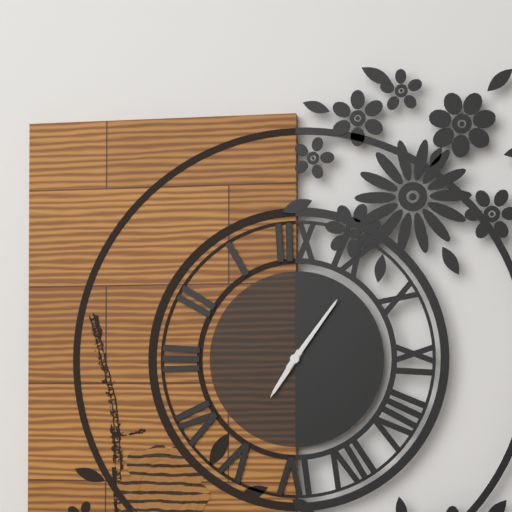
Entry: 7 h 06 min
